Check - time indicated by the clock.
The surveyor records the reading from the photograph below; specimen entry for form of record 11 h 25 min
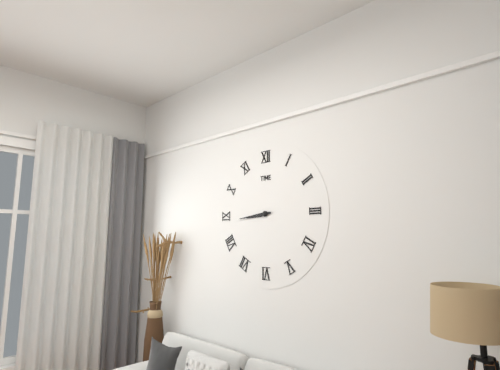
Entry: 8 h 44 min
